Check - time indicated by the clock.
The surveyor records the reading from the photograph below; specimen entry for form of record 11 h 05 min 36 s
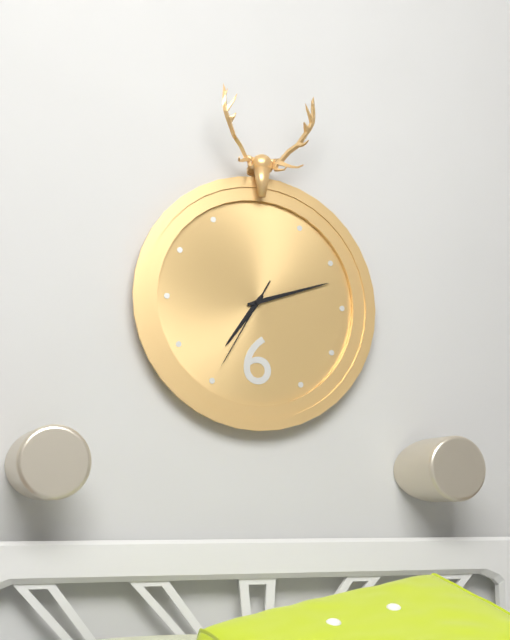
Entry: 7 h 12 min 35 s
